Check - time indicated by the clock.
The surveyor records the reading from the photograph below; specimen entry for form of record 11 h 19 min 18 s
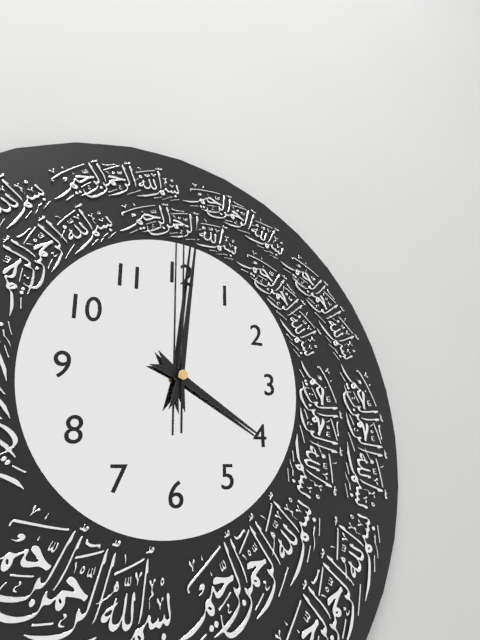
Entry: 4 h 01 min 00 s
